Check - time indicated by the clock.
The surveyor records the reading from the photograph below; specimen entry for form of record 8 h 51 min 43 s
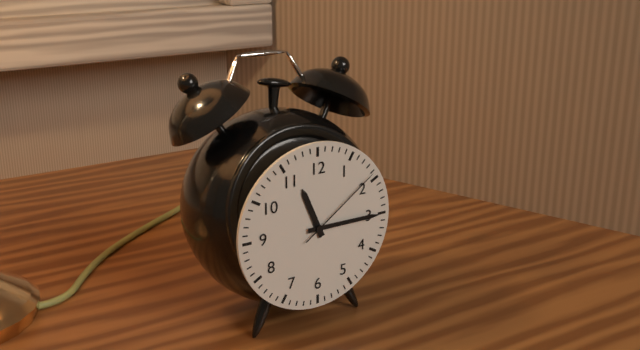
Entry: 11 h 15 min 09 s
